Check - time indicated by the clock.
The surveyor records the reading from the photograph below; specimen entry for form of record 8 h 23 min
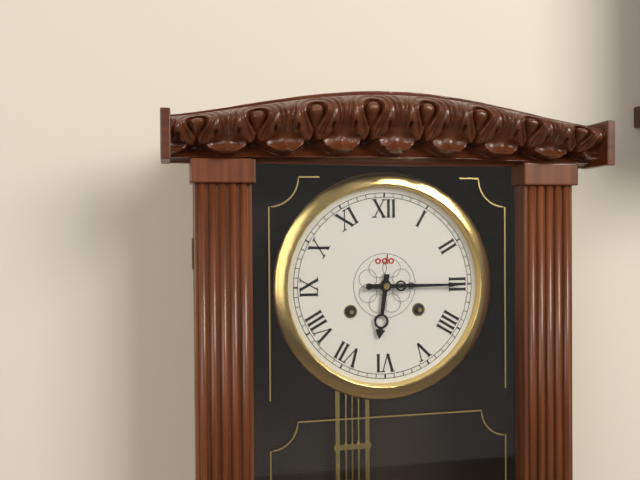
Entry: 6 h 15 min
